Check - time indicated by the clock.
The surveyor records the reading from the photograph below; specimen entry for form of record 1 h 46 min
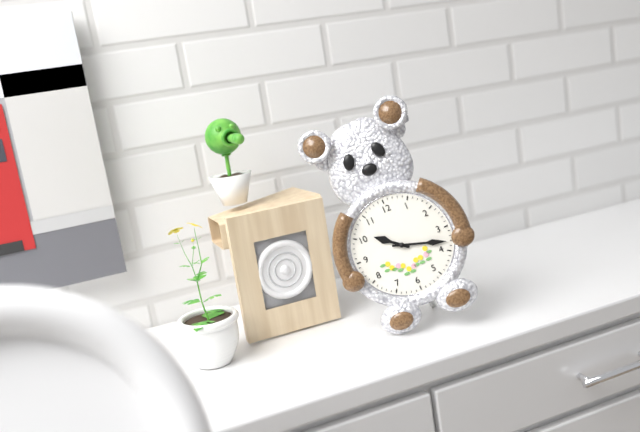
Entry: 10 h 18 min
